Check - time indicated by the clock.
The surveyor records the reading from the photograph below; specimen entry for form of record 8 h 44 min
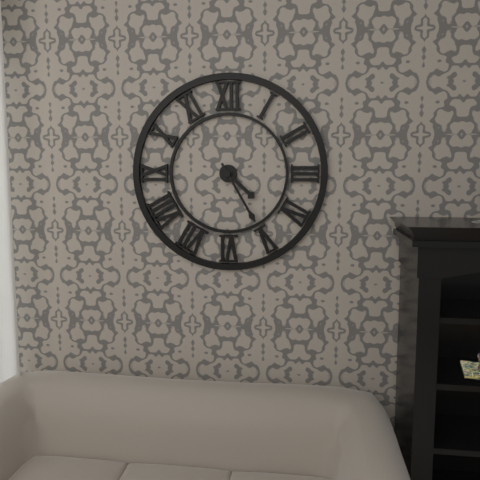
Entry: 4 h 25 min
